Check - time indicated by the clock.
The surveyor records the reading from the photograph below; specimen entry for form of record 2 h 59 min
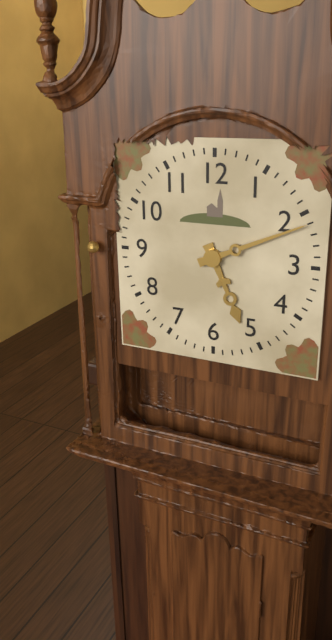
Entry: 5 h 11 min
